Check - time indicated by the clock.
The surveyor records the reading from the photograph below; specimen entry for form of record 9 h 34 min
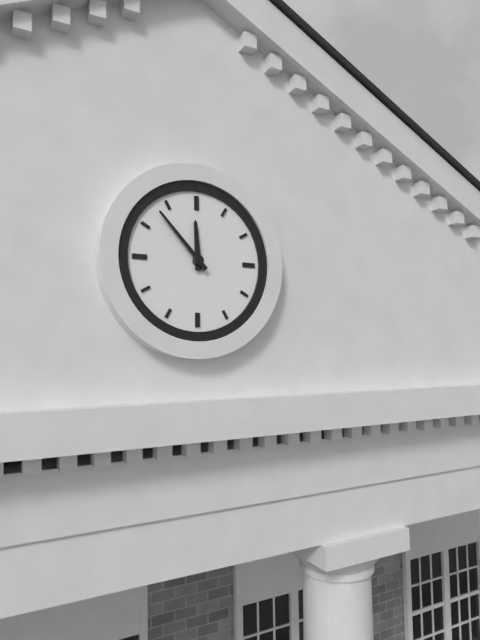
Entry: 11 h 53 min
